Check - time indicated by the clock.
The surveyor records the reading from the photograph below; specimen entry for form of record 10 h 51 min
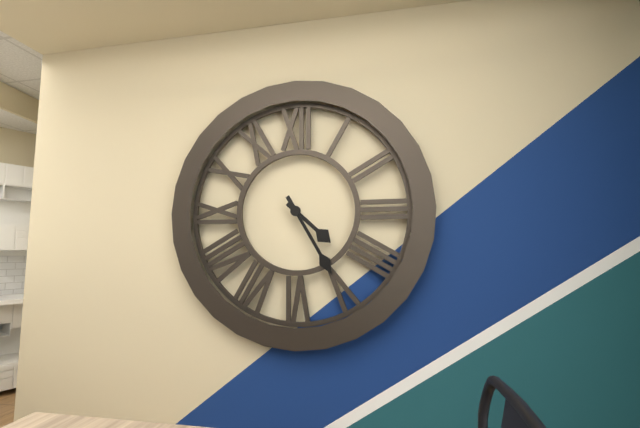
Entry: 4 h 25 min
